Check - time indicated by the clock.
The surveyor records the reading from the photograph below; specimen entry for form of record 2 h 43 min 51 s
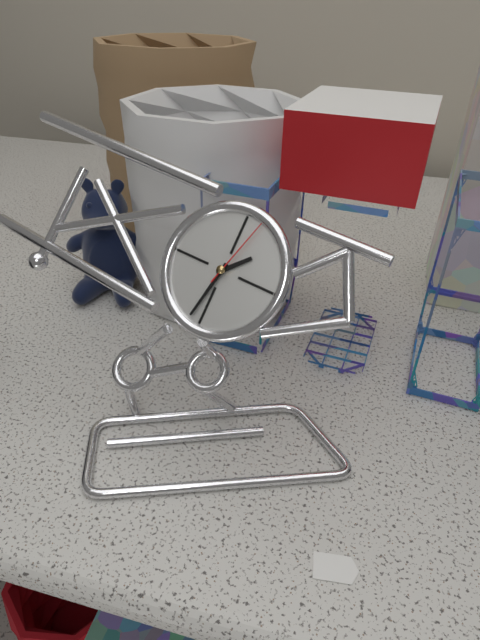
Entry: 1 h 32 min 03 s
